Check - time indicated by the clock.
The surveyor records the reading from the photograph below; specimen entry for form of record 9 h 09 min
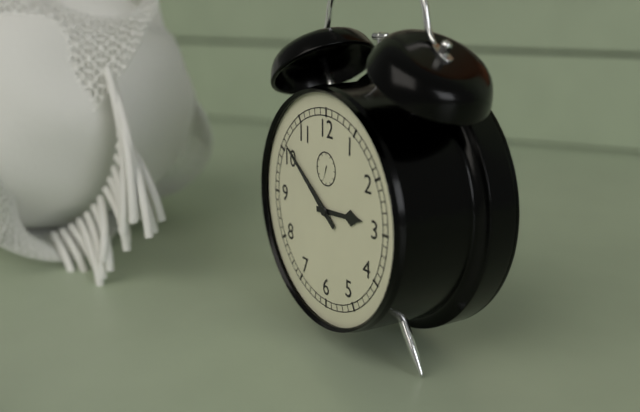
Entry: 2 h 51 min
